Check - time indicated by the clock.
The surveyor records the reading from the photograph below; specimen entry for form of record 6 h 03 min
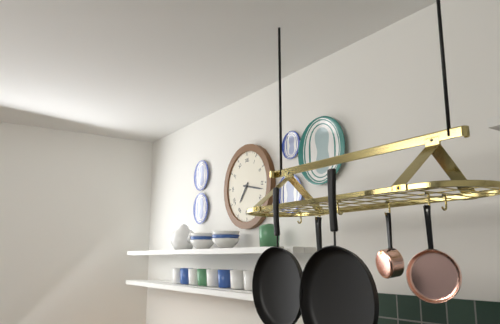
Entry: 7 h 17 min
